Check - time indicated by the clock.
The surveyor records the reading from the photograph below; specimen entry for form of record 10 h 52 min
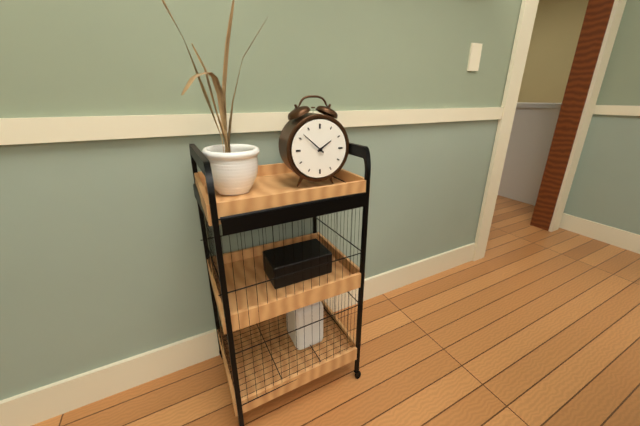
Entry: 1 h 52 min
